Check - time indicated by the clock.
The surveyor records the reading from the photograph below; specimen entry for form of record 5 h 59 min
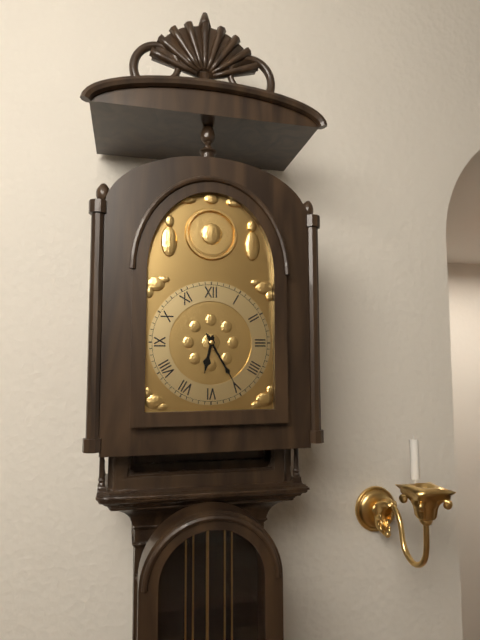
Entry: 6 h 25 min
